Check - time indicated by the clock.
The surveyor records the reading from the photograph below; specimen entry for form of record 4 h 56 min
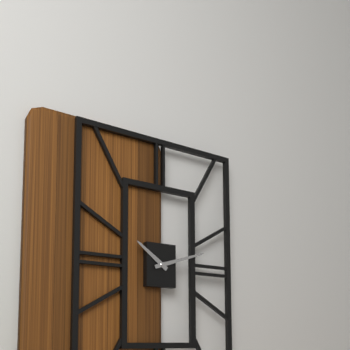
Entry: 10 h 12 min
